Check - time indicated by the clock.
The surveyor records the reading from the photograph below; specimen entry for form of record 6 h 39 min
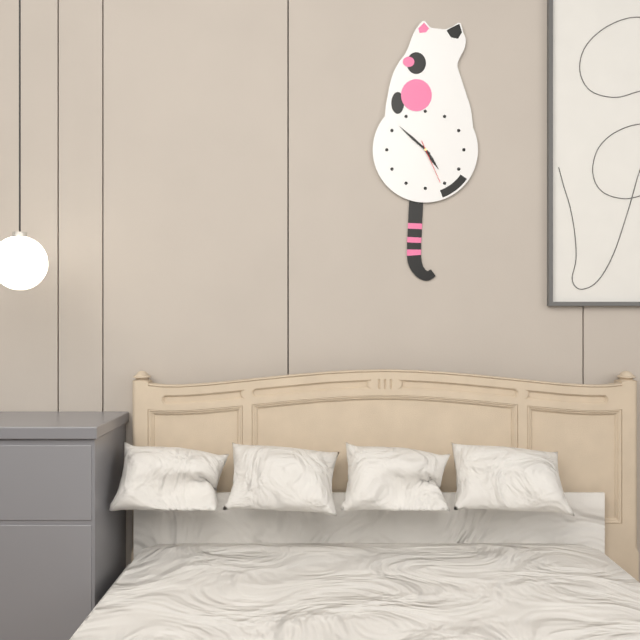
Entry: 4 h 52 min
